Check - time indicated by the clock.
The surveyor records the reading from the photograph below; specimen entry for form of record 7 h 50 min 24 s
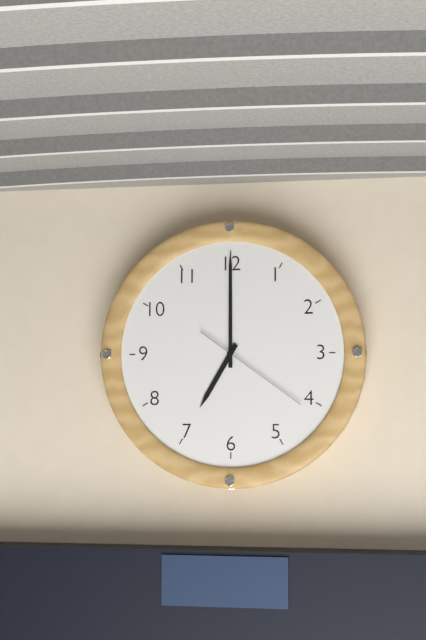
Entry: 7 h 00 min 21 s
